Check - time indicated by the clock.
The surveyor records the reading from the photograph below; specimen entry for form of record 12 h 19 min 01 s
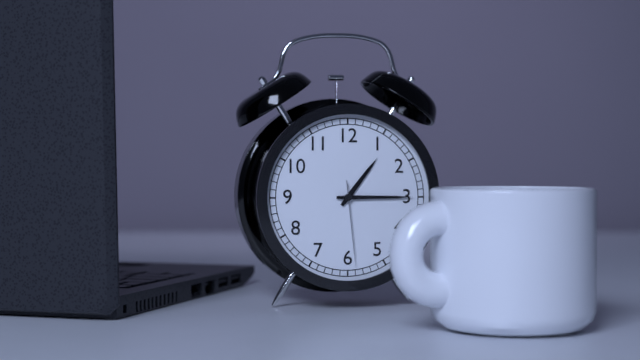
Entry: 1 h 15 min 29 s
